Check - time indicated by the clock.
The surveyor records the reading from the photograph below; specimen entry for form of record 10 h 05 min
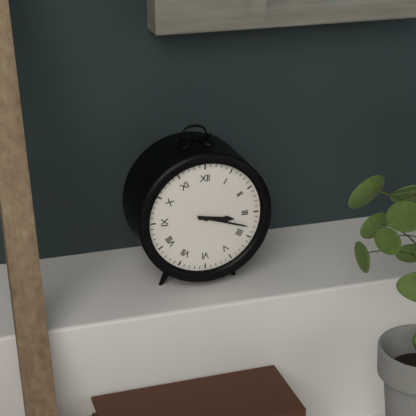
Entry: 3 h 18 min
